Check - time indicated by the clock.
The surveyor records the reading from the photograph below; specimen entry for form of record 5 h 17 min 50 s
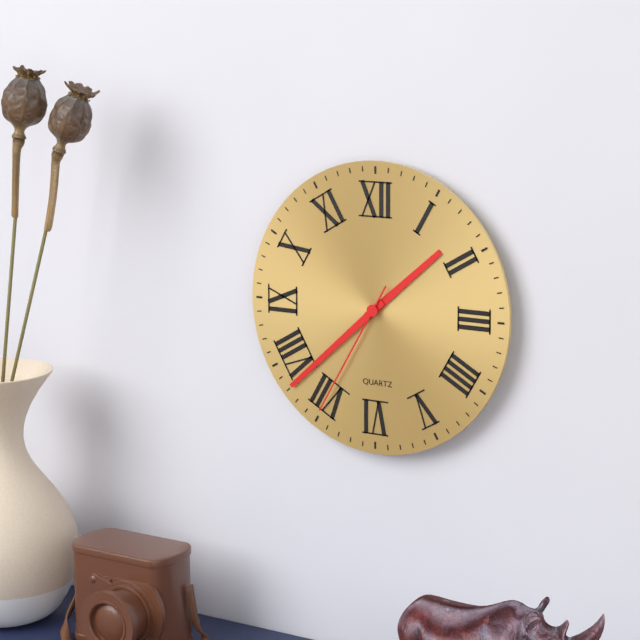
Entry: 1 h 38 min 35 s
